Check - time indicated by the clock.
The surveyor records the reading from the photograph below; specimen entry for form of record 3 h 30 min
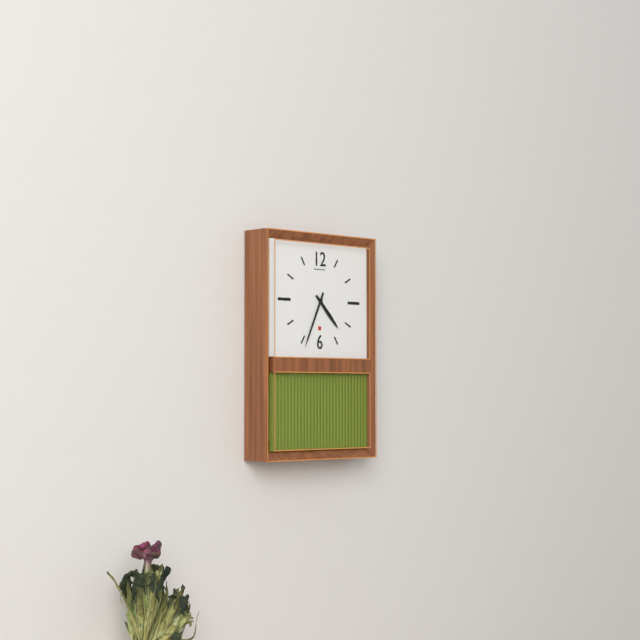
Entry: 4 h 34 min
